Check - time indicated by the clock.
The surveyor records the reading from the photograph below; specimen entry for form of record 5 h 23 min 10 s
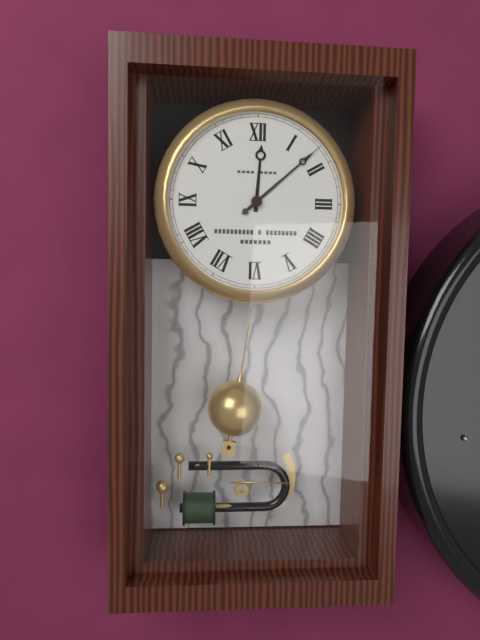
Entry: 12 h 08 min 08 s
